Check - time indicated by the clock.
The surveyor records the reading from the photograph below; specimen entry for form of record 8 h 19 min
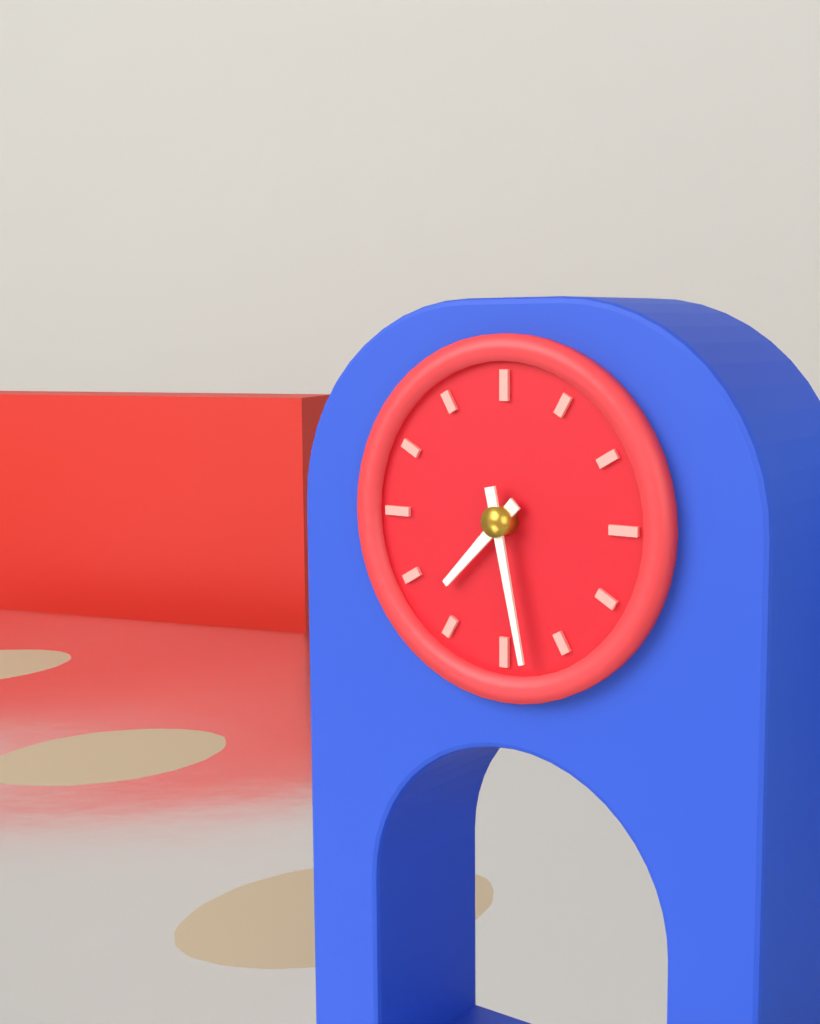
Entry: 7 h 28 min
